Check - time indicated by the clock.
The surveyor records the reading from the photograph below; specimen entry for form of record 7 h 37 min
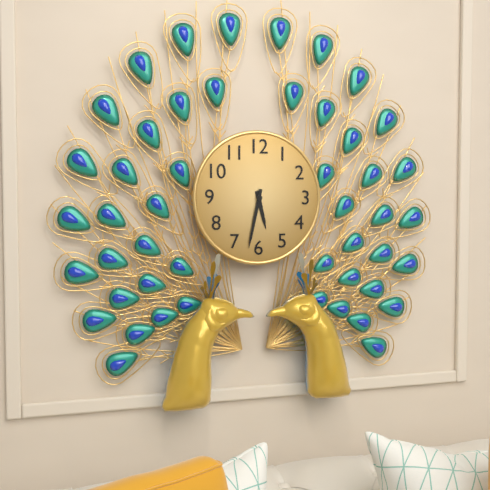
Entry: 5 h 32 min
